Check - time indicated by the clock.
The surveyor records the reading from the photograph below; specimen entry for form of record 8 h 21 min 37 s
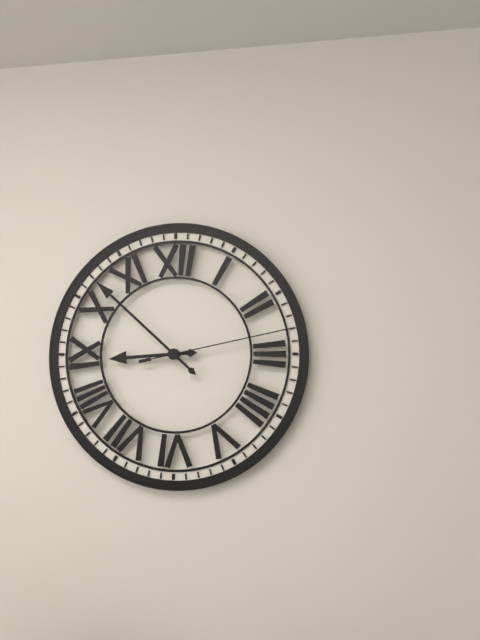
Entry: 8 h 52 min 13 s
